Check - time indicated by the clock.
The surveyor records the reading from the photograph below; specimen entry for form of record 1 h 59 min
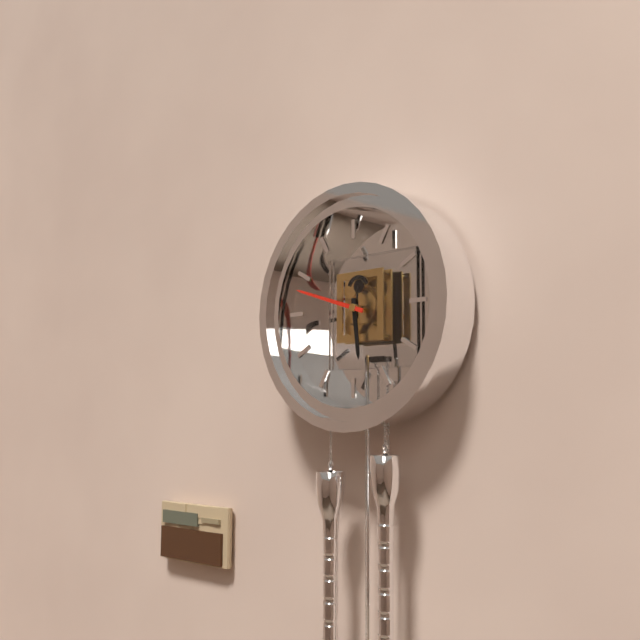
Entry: 5 h 48 min
